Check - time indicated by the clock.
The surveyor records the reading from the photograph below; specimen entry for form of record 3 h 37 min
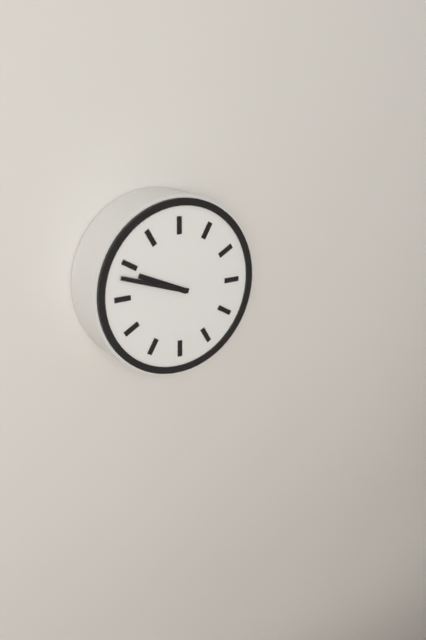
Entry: 9 h 48 min
